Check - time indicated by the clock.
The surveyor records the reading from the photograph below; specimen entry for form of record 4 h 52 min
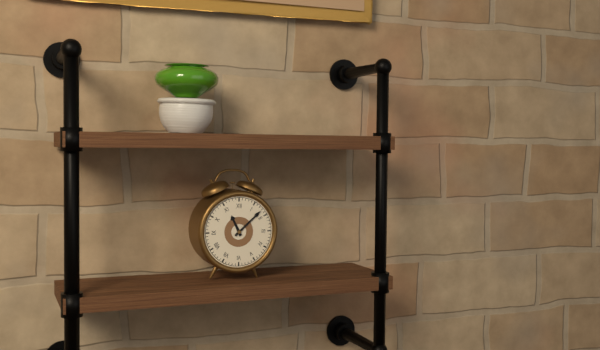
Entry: 11 h 08 min
